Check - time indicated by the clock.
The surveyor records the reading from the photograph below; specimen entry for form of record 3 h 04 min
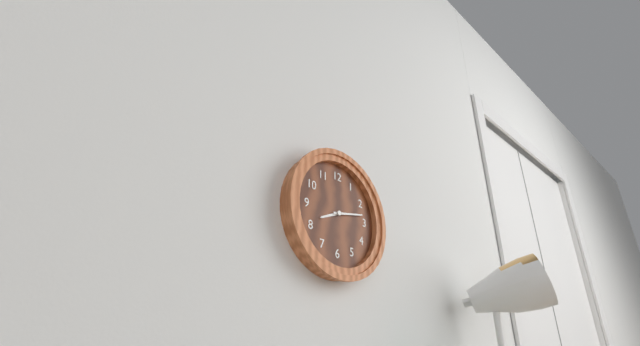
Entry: 8 h 13 min
